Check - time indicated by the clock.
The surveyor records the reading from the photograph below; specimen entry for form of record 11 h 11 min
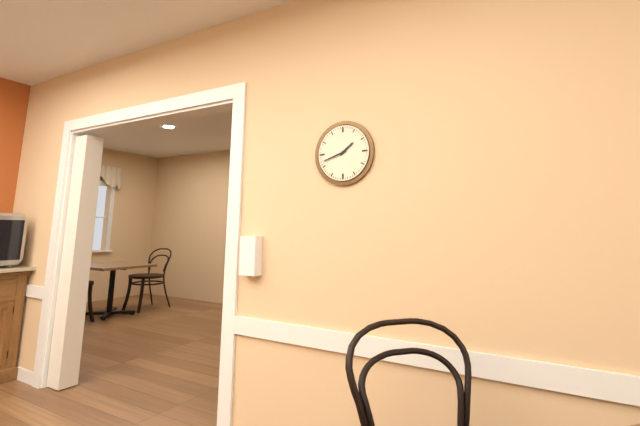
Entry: 1 h 42 min
